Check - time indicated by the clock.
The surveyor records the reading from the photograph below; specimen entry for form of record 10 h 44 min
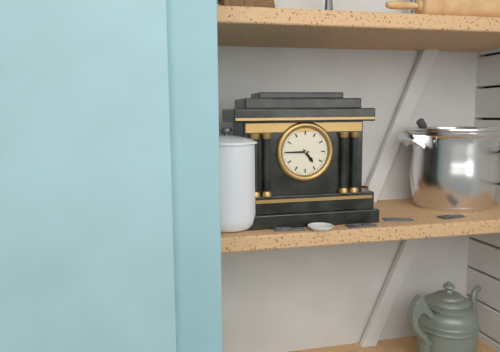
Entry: 4 h 45 min
